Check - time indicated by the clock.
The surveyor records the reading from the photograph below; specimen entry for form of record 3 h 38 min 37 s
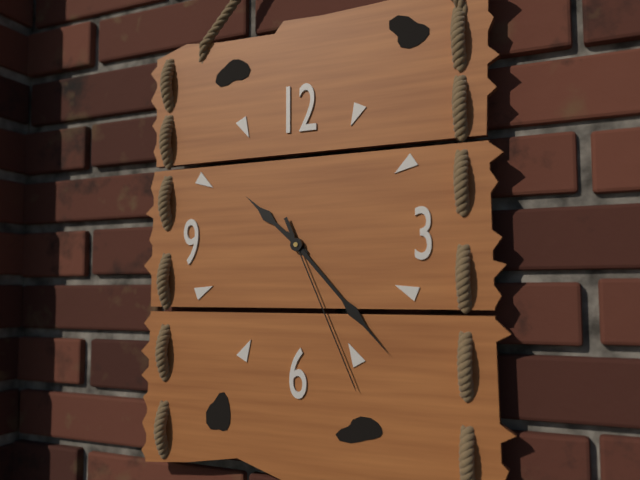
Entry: 10 h 23 min 26 s
